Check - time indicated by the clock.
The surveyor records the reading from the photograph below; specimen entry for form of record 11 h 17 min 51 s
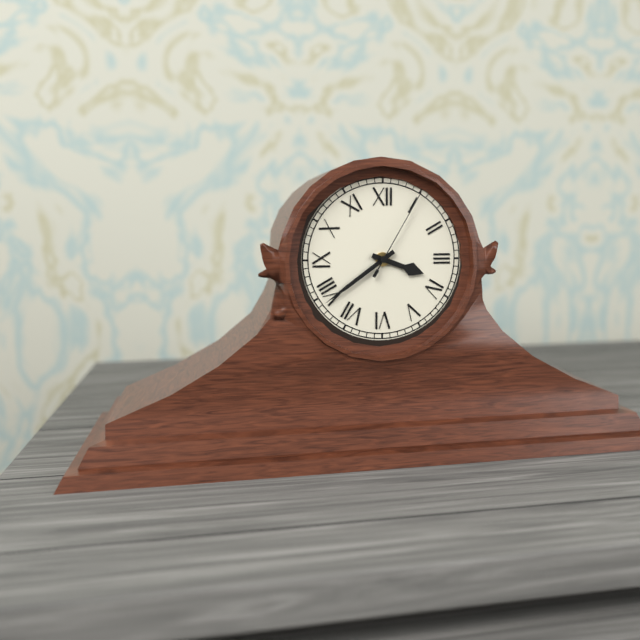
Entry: 3 h 39 min 05 s
